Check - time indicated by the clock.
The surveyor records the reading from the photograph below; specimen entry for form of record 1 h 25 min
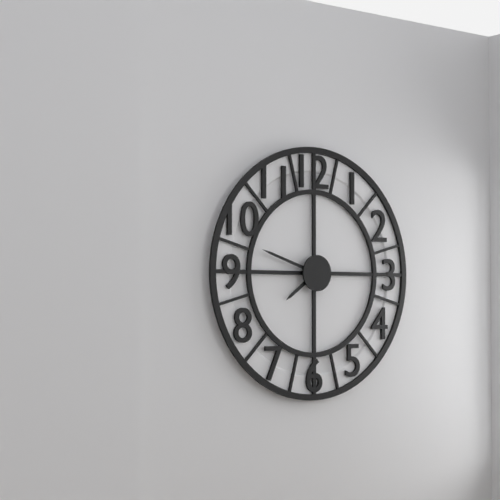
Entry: 7 h 48 min
